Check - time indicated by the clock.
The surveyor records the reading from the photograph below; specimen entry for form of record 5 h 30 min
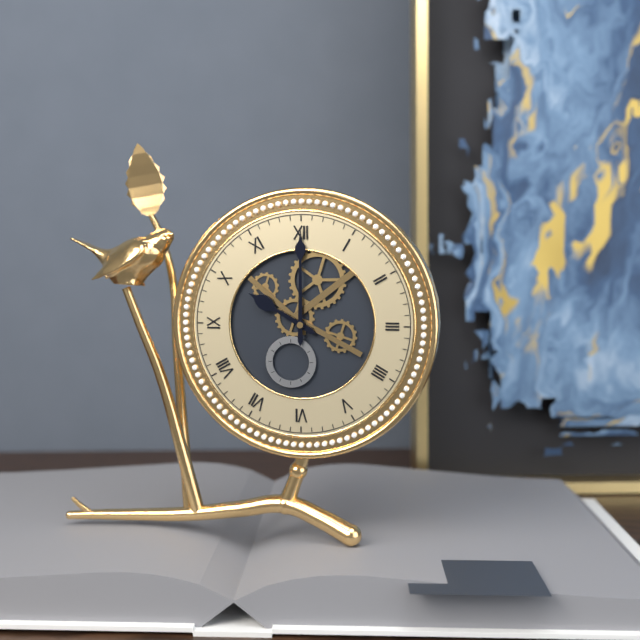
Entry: 10 h 00 min
